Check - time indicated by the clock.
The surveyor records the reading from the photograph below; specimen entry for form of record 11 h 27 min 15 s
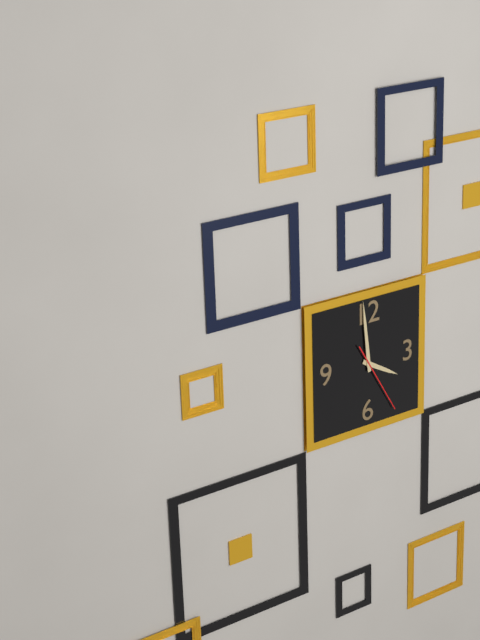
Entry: 3 h 59 min 25 s
